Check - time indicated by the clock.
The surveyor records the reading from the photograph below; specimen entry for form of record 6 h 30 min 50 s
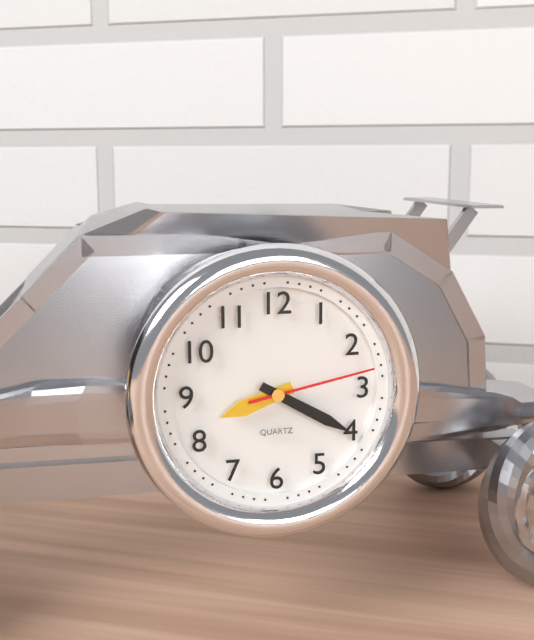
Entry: 8 h 20 min 13 s
